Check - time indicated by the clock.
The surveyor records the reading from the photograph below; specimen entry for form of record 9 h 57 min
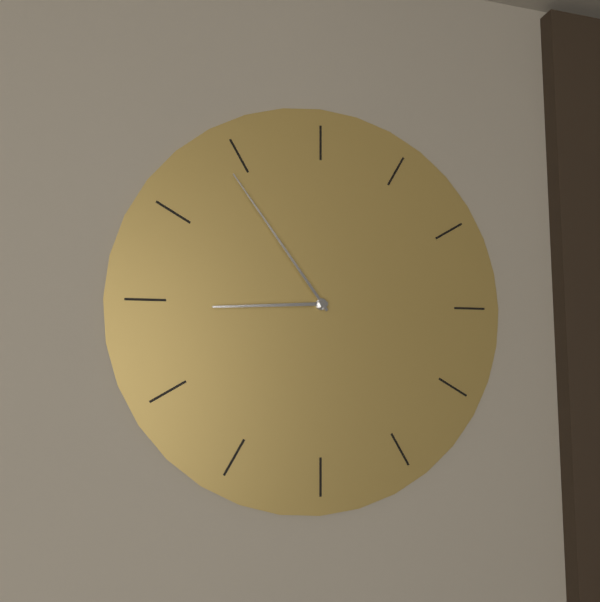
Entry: 8 h 54 min
